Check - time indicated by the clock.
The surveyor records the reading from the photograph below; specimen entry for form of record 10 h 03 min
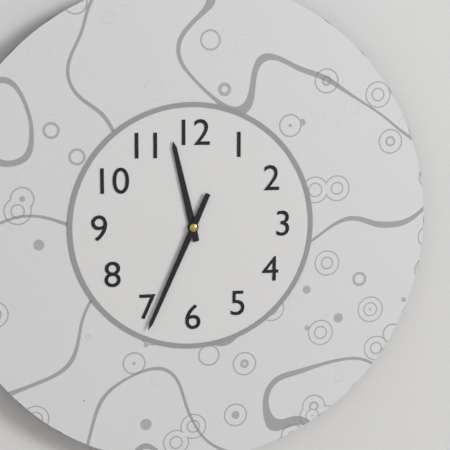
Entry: 11 h 34 min
